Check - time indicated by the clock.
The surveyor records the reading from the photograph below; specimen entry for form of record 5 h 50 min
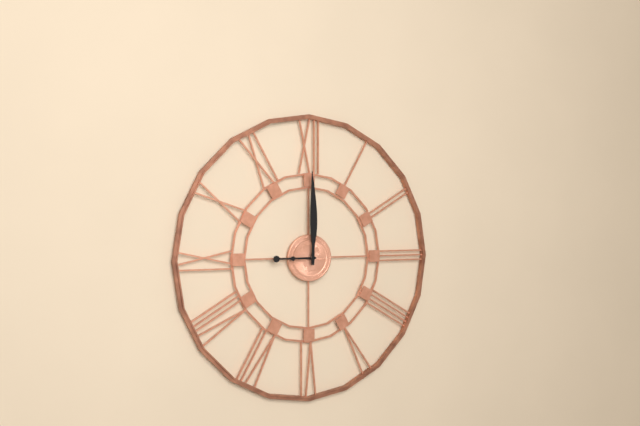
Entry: 9 h 00 min
